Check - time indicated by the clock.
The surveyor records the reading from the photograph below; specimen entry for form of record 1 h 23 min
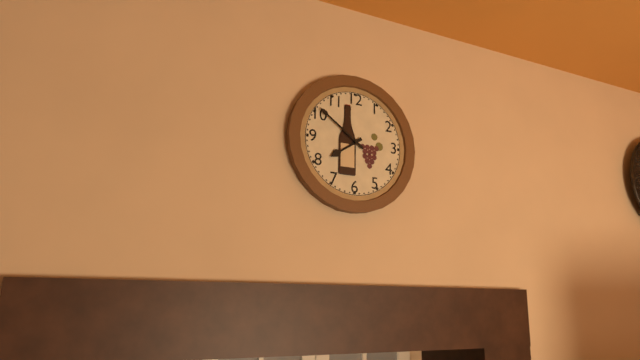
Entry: 7 h 51 min
